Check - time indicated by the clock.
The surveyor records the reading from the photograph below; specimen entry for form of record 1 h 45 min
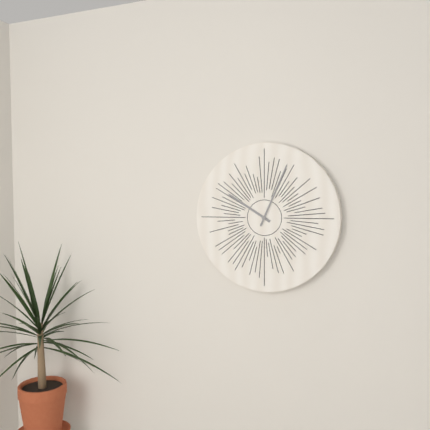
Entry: 10 h 04 min
